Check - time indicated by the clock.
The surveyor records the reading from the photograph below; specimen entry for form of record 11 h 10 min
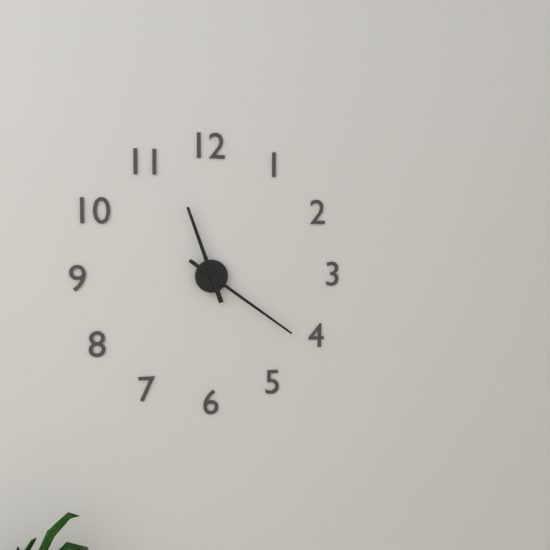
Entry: 11 h 21 min
